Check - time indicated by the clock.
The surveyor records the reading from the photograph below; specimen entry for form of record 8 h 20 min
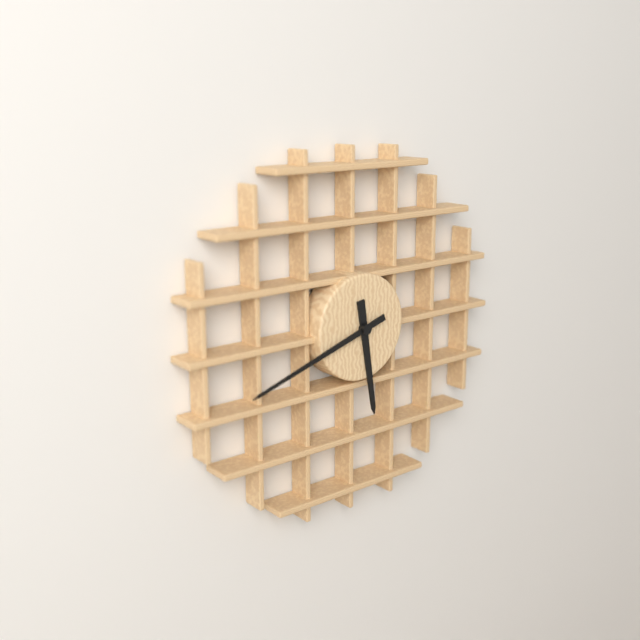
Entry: 5 h 42 min
